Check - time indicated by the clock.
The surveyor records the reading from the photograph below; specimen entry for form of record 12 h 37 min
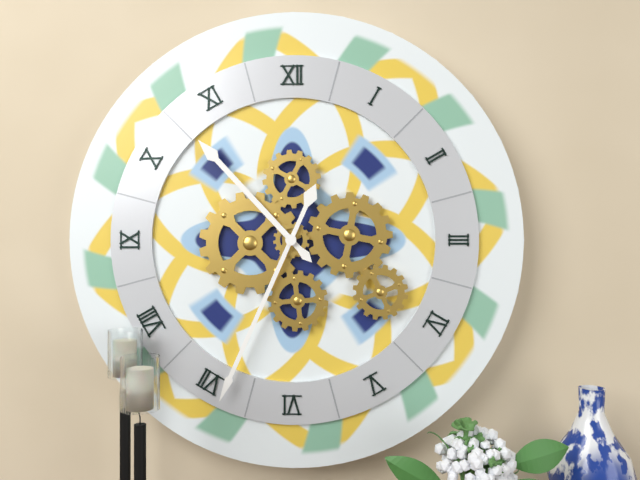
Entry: 10 h 34 min
